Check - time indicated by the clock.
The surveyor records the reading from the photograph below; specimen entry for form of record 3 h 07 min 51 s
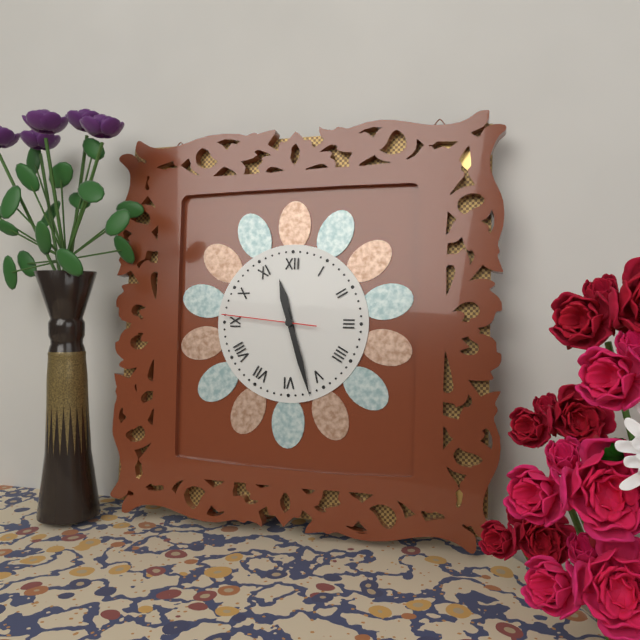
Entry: 11 h 27 min 46 s
